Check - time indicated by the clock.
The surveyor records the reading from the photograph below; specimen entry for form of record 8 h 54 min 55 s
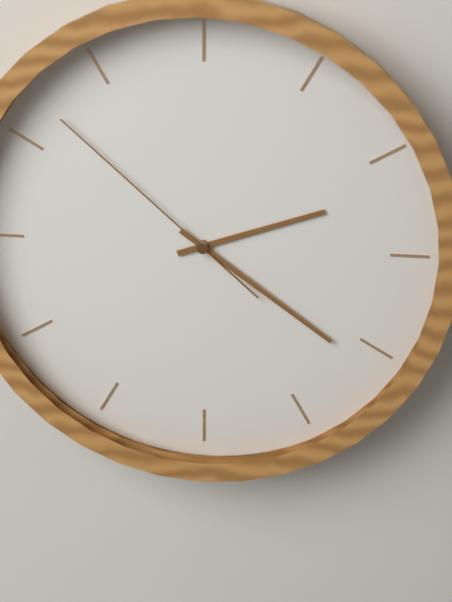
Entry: 2 h 21 min 52 s
